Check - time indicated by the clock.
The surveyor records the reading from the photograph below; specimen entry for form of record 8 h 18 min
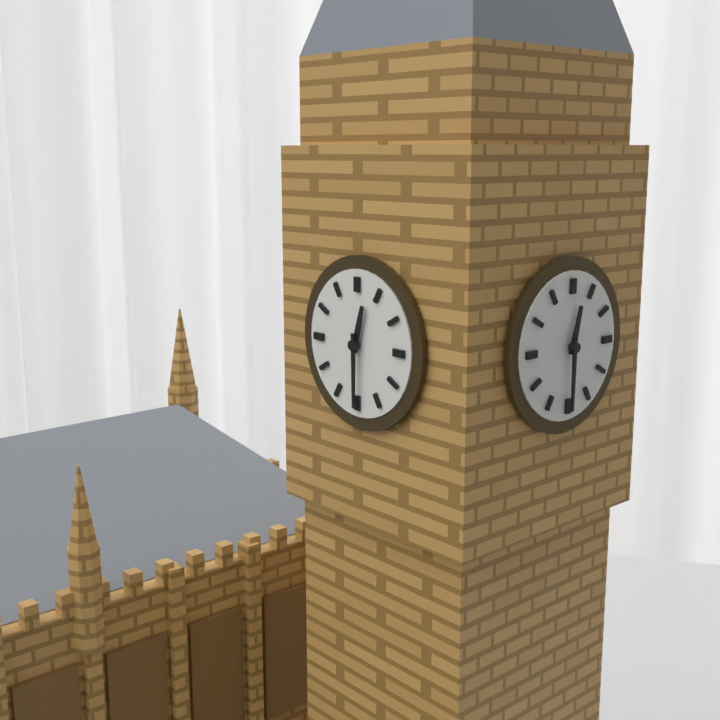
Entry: 12 h 30 min
